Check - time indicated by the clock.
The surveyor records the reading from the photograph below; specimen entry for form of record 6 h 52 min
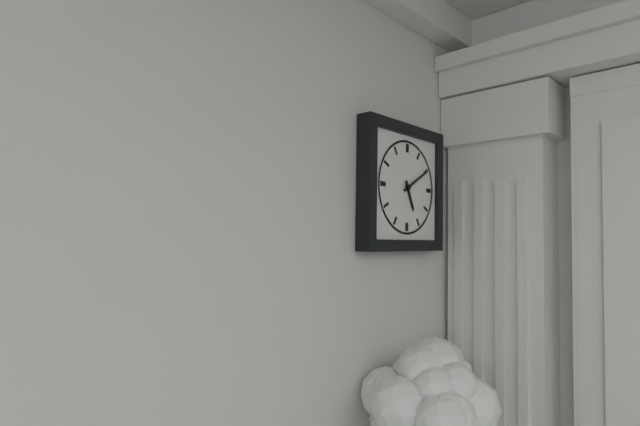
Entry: 5 h 10 min
